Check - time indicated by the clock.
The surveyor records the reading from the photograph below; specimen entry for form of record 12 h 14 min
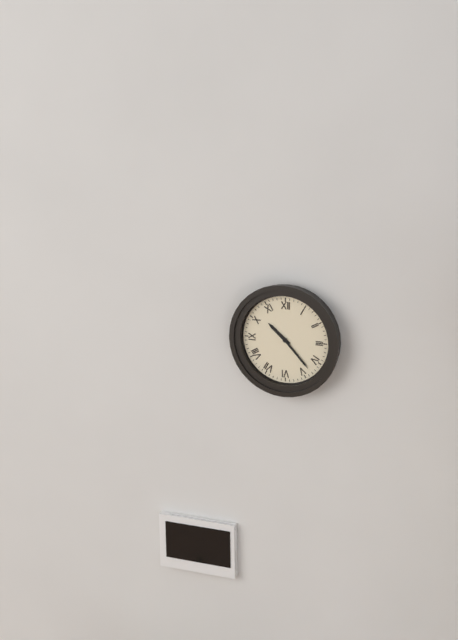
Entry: 10 h 23 min
